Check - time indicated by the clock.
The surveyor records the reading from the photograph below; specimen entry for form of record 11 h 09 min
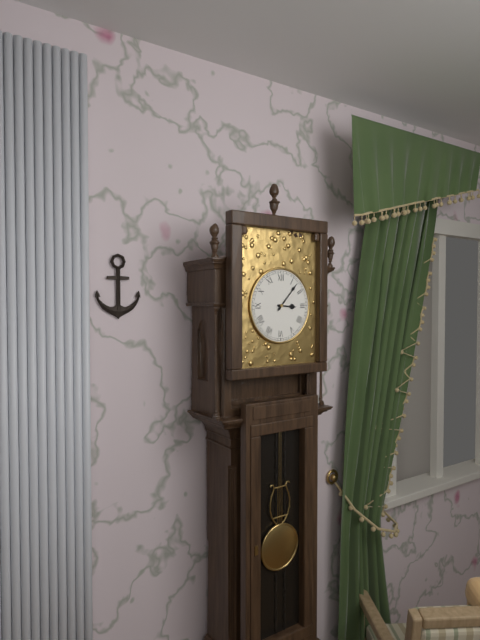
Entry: 3 h 07 min
